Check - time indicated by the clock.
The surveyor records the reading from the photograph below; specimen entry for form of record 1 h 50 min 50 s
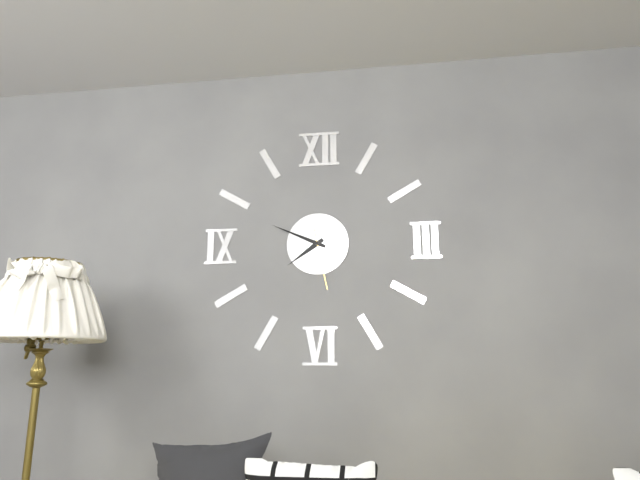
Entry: 7 h 49 min 28 s
